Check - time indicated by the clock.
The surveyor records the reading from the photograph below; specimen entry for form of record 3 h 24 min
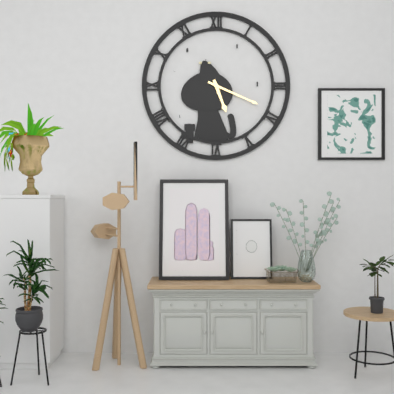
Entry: 5 h 19 min
